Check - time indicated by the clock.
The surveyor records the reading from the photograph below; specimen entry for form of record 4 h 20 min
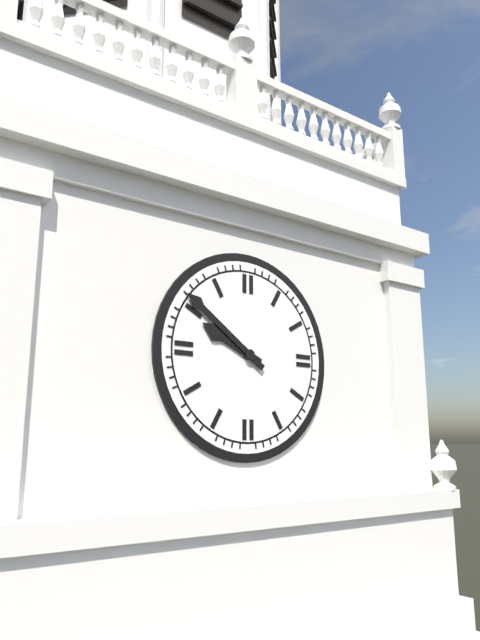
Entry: 9 h 51 min
